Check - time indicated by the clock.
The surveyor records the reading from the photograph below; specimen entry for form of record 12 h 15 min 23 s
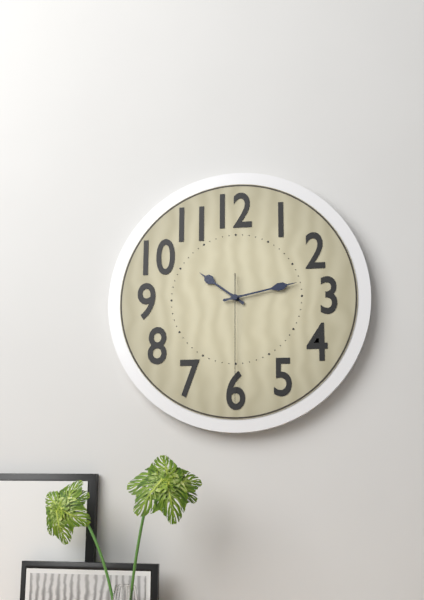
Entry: 10 h 13 min 30 s
